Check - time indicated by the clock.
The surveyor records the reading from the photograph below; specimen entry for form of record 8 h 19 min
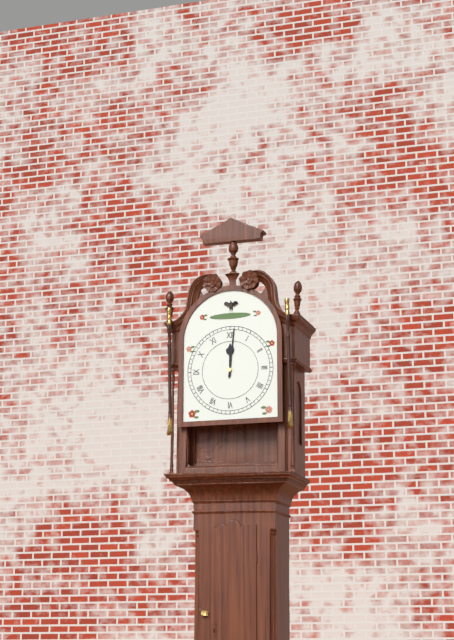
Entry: 12 h 01 min
